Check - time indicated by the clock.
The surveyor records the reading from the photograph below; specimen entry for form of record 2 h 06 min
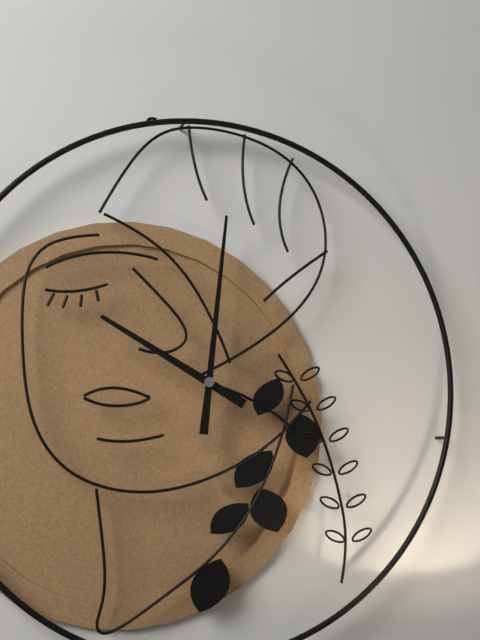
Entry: 10 h 01 min
